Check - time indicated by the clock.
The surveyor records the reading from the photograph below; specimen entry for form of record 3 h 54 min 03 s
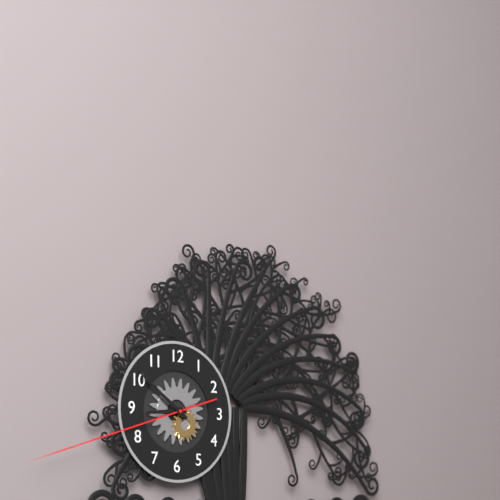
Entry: 8 h 51 min 42 s
